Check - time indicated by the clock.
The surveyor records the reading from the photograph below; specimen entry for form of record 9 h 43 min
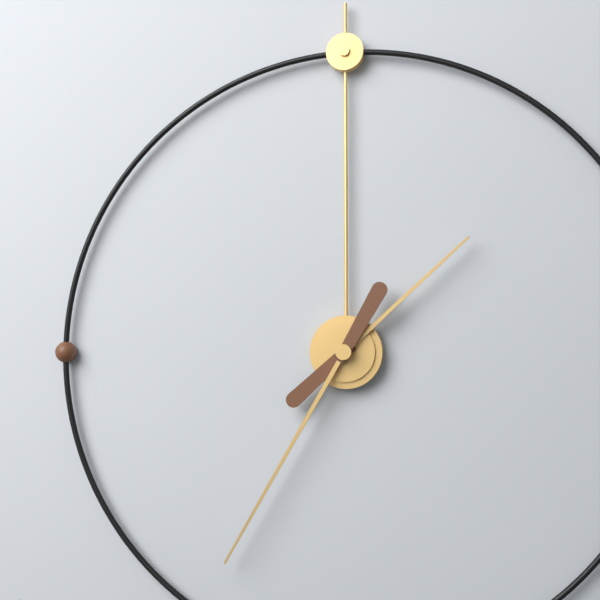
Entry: 1 h 35 min
